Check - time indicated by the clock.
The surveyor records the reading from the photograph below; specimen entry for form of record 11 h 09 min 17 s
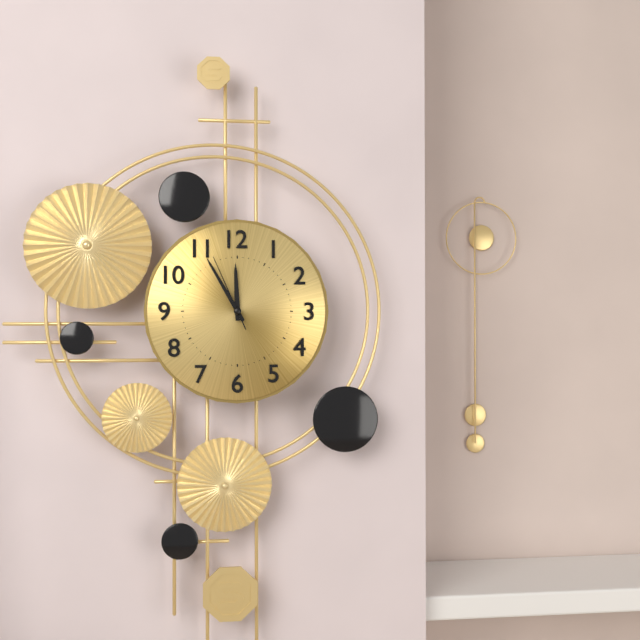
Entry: 11 h 55 min 56 s
